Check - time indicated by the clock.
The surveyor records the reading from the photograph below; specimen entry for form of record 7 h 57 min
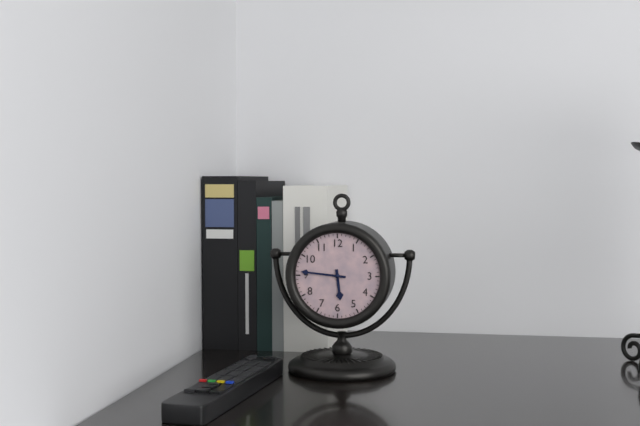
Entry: 5 h 46 min
